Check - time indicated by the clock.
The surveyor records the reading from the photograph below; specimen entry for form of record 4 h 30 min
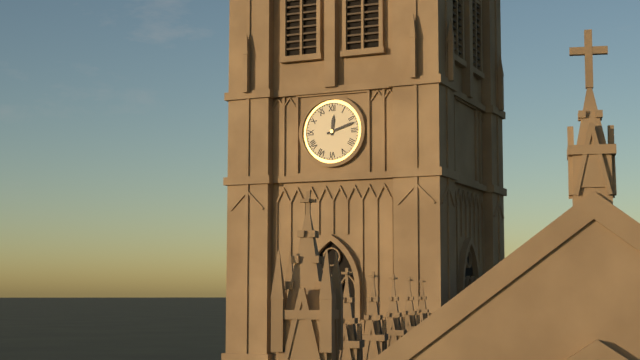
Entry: 12 h 12 min
